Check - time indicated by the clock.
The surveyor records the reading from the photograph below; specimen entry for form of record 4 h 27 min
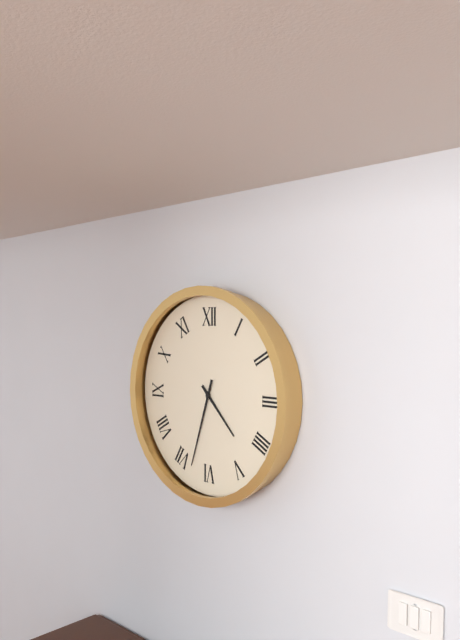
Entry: 4 h 33 min
